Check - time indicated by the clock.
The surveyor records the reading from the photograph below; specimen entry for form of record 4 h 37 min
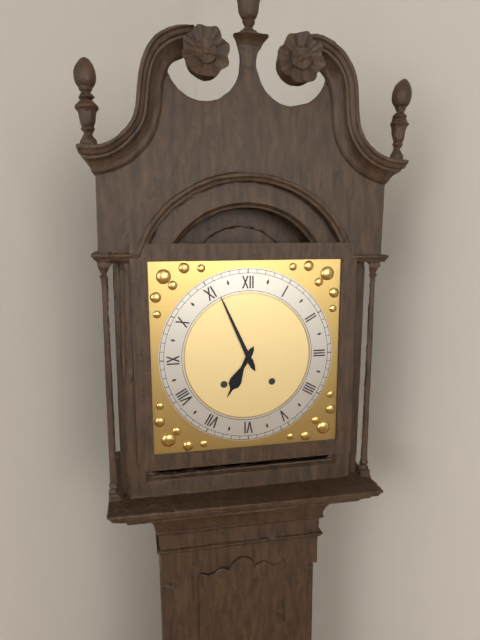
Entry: 6 h 56 min
